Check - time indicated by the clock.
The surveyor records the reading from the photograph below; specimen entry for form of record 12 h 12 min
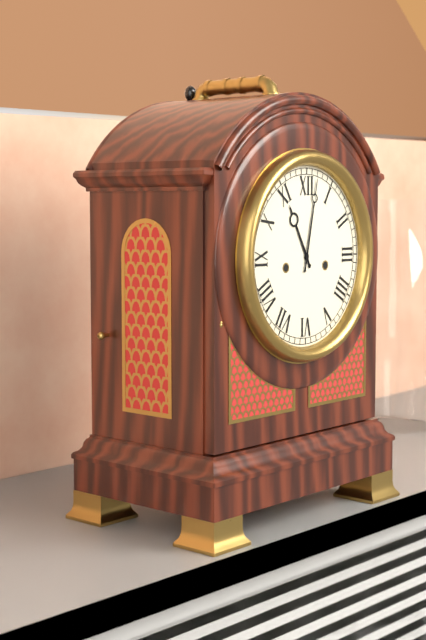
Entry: 11 h 02 min
